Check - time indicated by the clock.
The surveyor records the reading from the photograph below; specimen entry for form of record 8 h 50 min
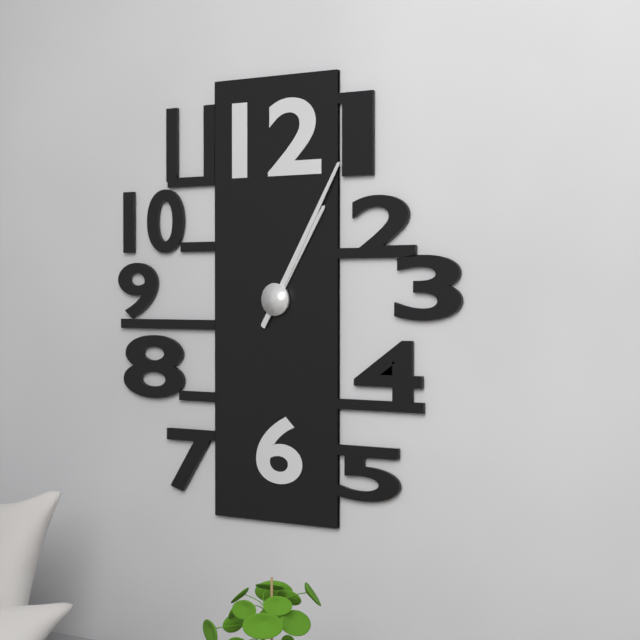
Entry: 1 h 05 min
